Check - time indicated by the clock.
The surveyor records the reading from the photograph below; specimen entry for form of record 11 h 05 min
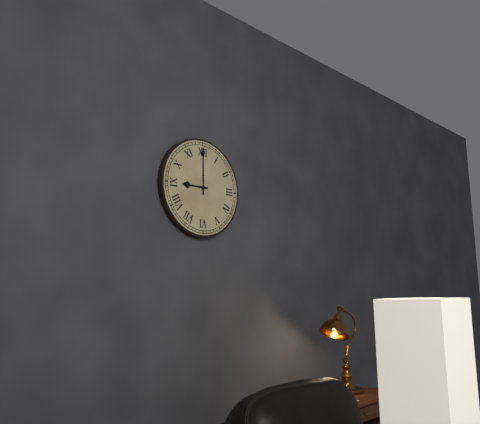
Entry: 9 h 00 min
